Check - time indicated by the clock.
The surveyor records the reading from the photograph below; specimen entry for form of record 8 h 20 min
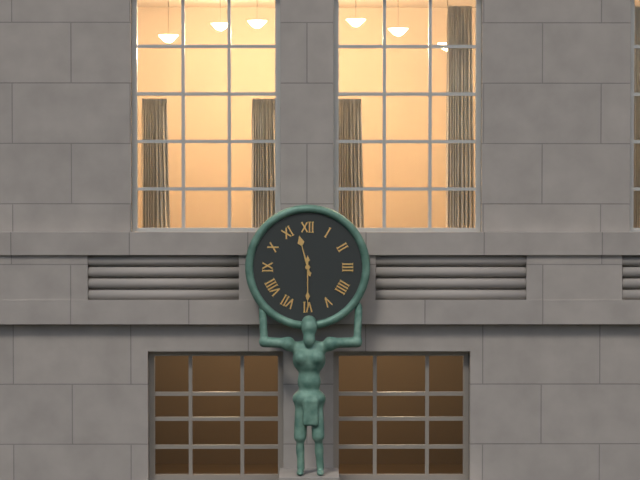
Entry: 11 h 30 min
